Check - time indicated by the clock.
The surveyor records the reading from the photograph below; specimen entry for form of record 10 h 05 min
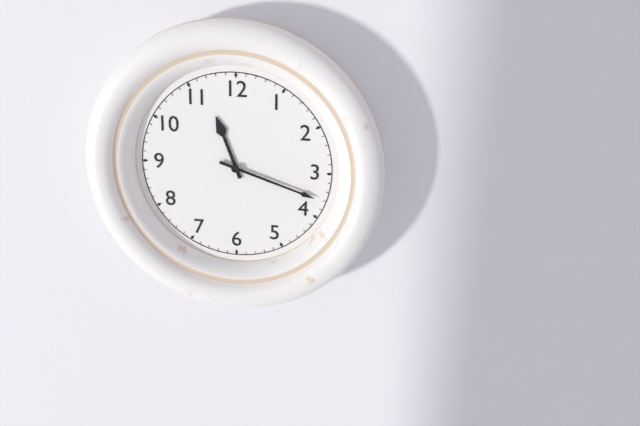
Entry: 11 h 18 min
